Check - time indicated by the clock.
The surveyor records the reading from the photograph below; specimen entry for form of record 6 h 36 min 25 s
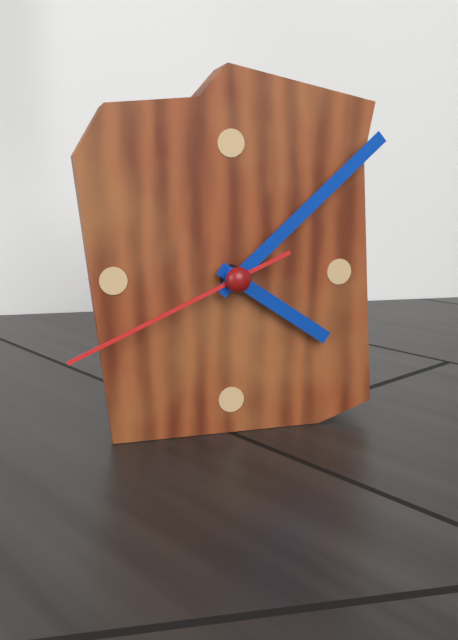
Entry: 4 h 08 min 41 s
